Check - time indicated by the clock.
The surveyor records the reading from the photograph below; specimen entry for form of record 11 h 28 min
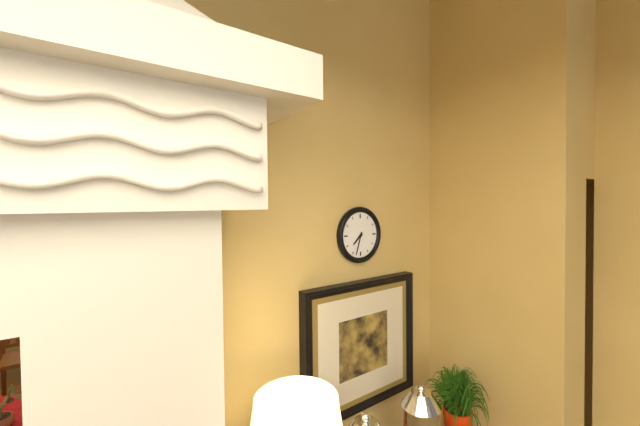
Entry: 7 h 33 min
